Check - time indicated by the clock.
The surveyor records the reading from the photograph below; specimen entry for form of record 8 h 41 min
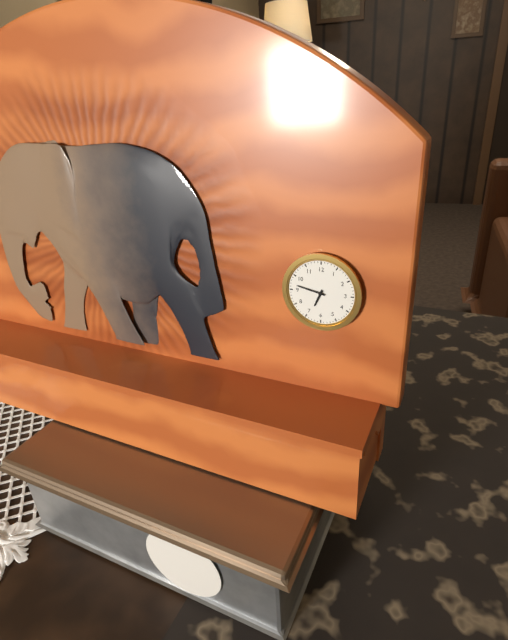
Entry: 6 h 47 min
